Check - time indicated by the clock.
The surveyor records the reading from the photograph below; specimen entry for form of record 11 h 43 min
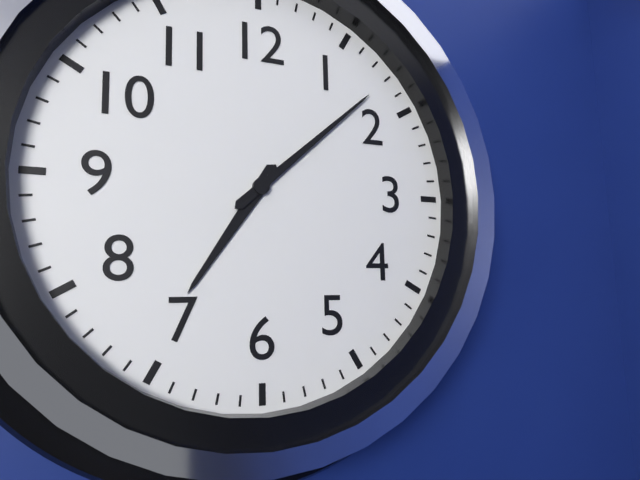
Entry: 7 h 08 min
